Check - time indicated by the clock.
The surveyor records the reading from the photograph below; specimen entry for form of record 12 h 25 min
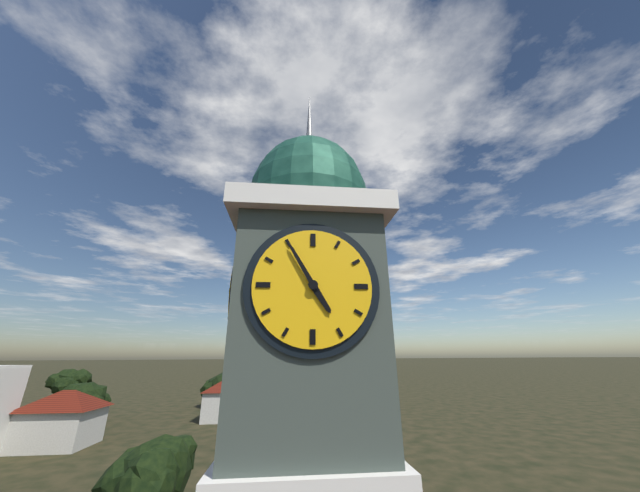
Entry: 4 h 55 min
